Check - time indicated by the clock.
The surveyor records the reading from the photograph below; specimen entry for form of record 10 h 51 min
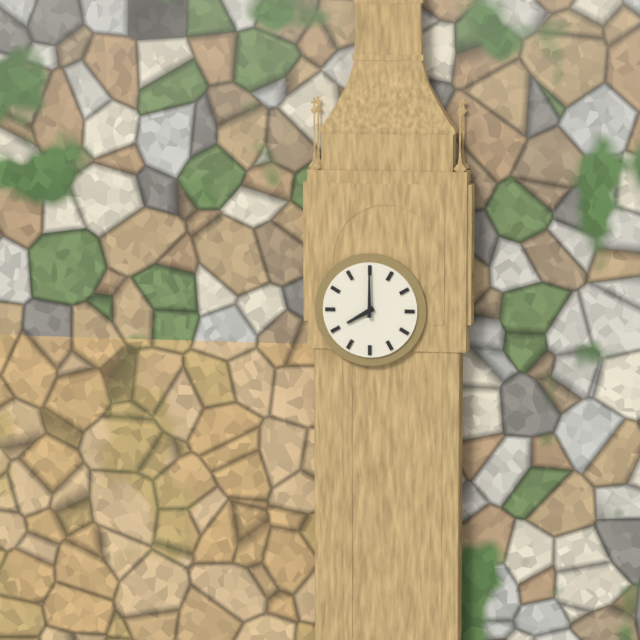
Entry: 8 h 00 min
